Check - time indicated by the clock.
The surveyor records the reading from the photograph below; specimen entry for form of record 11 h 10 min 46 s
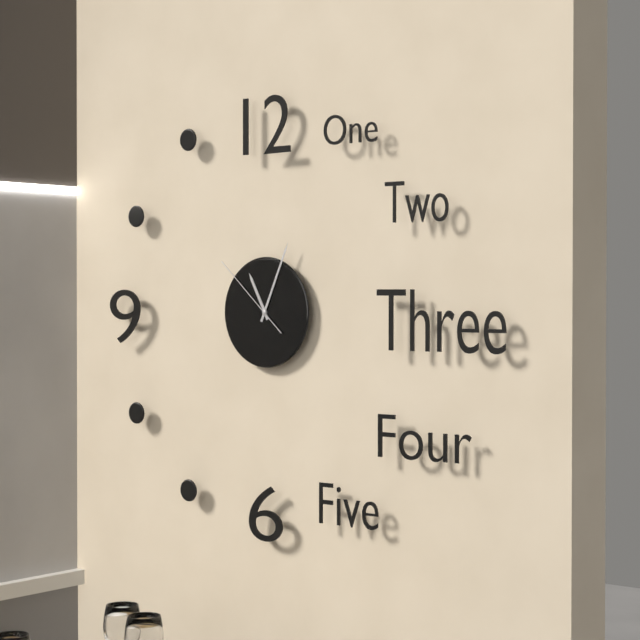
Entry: 11 h 04 min 52 s
